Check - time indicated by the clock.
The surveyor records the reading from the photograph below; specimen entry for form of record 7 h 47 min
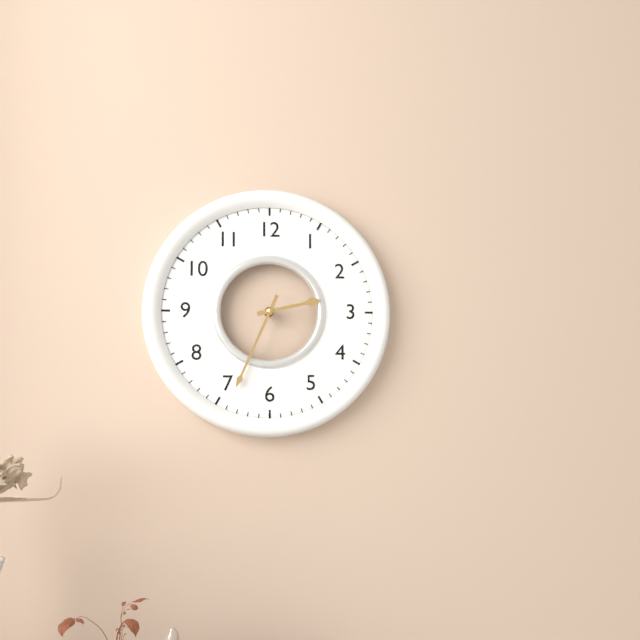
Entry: 2 h 34 min
